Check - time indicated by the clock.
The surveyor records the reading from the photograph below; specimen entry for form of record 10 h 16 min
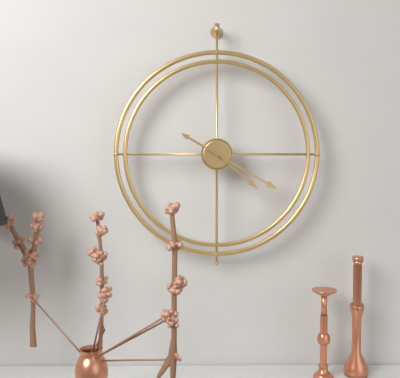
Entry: 4 h 20 min
